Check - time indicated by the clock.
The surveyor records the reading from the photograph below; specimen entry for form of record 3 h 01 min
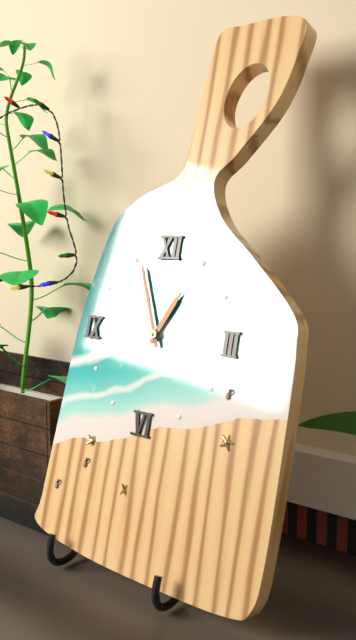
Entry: 12 h 56 min
